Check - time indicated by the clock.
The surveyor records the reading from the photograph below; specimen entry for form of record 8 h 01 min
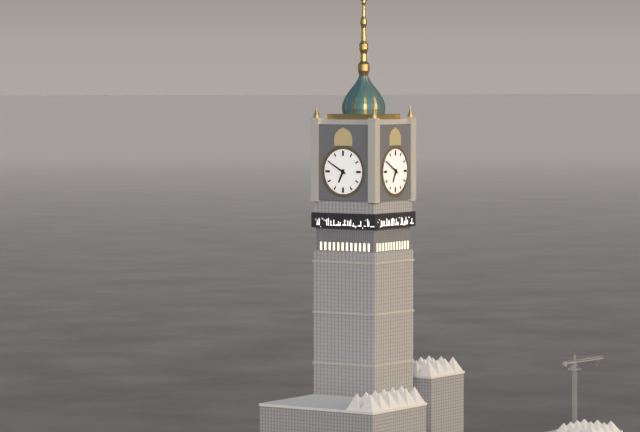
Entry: 6 h 50 min
